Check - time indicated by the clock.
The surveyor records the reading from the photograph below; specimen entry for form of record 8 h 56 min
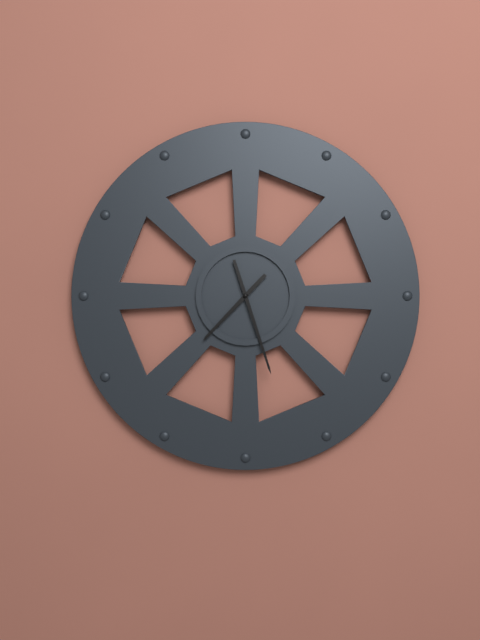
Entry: 7 h 27 min
